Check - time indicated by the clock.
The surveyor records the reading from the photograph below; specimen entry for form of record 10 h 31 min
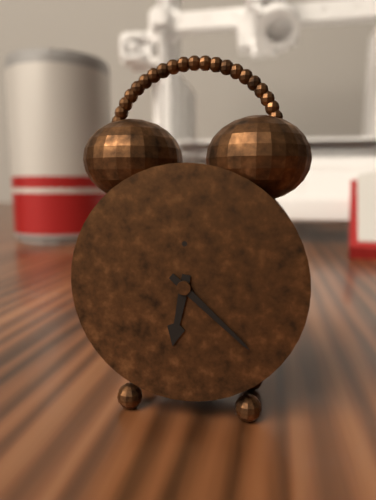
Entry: 6 h 22 min
